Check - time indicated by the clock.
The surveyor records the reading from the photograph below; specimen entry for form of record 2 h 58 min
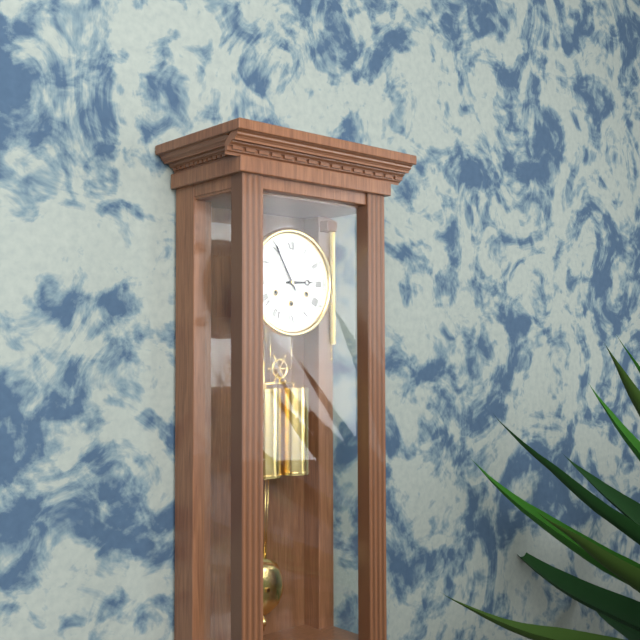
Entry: 2 h 55 min
